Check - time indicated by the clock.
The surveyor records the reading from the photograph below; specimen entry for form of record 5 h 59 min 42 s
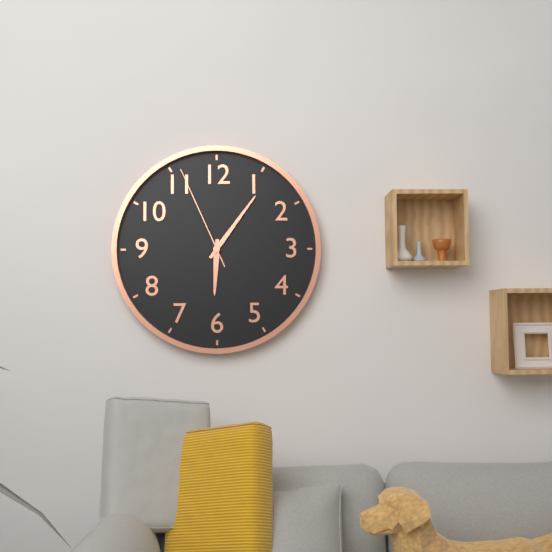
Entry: 6 h 06 min 56 s
